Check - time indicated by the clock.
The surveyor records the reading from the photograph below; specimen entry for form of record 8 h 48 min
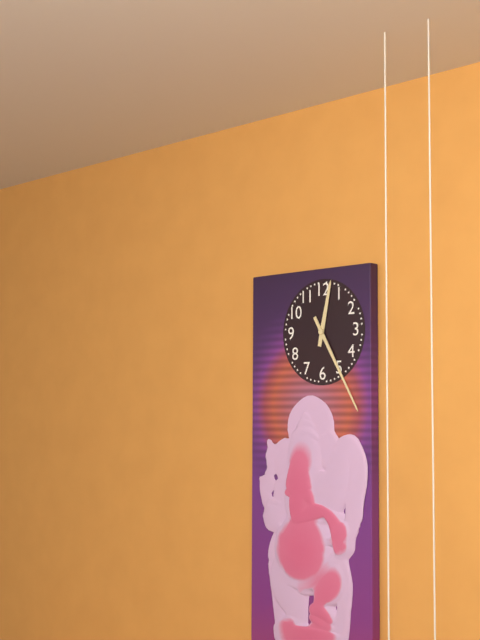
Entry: 12 h 25 min
